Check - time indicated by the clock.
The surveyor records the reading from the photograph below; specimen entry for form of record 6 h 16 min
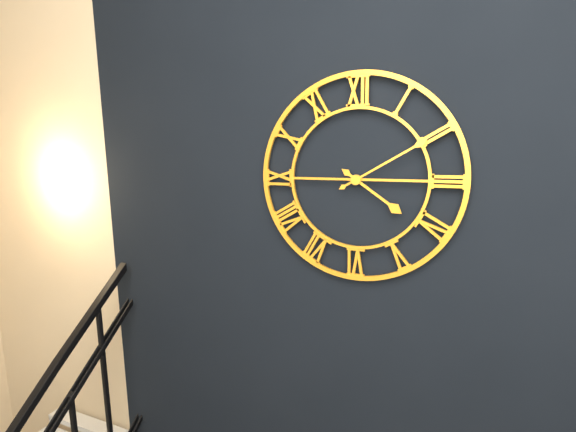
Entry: 4 h 10 min
